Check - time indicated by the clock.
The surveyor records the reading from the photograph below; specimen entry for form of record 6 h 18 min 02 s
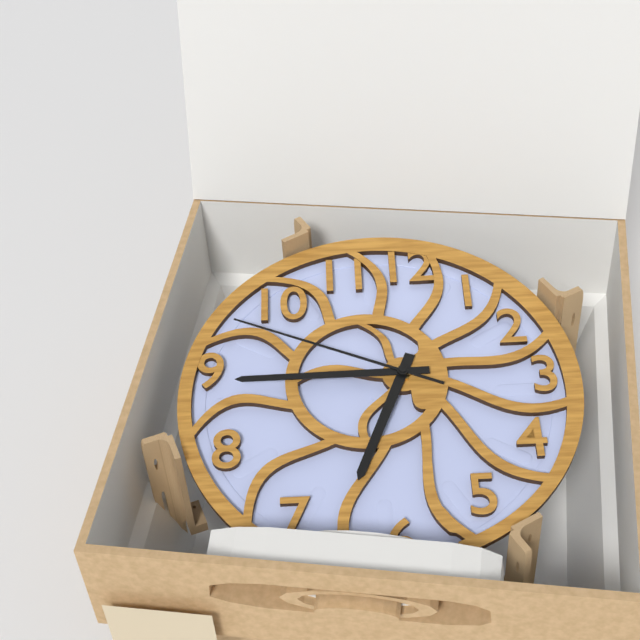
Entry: 6 h 45 min 49 s
